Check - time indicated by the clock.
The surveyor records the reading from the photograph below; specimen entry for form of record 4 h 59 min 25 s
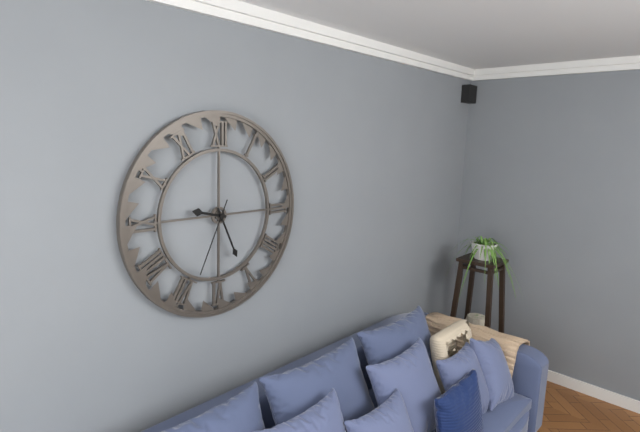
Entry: 9 h 26 min 34 s
